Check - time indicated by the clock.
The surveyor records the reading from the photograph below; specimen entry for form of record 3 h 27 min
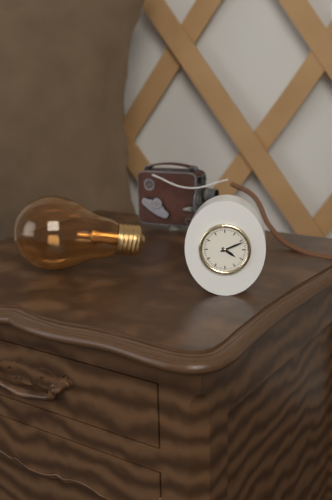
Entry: 4 h 11 min
